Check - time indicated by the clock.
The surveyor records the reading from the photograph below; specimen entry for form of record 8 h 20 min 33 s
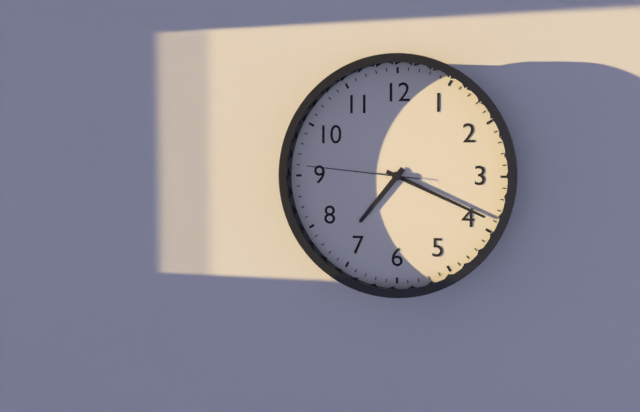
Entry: 7 h 19 min 46 s
